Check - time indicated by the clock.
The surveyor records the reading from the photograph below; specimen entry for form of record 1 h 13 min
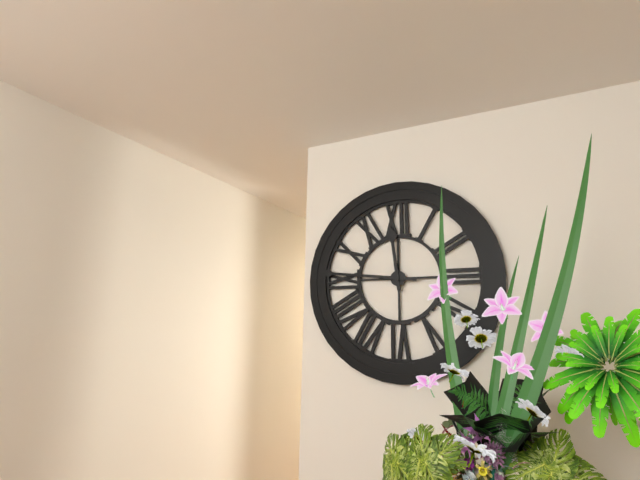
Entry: 11 h 46 min
